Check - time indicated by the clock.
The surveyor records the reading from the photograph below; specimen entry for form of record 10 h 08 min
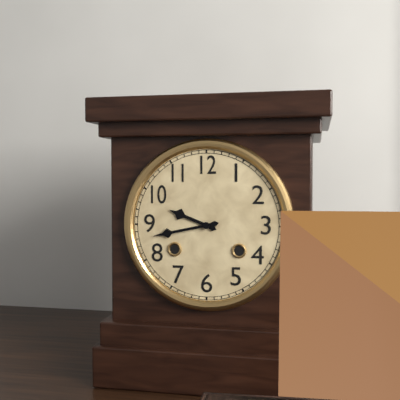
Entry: 9 h 43 min
